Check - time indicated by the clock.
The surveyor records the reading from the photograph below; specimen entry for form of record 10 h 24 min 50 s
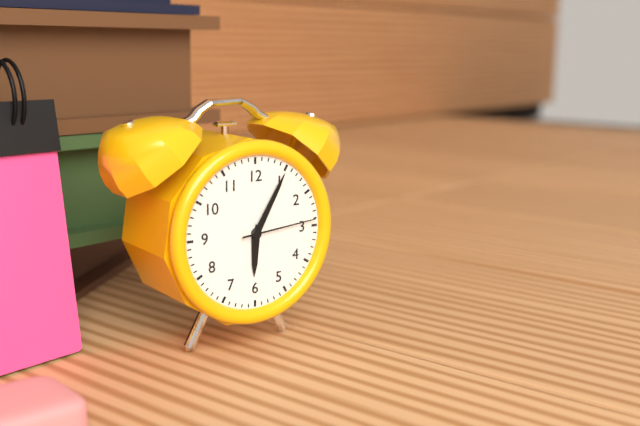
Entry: 6 h 05 min 14 s
